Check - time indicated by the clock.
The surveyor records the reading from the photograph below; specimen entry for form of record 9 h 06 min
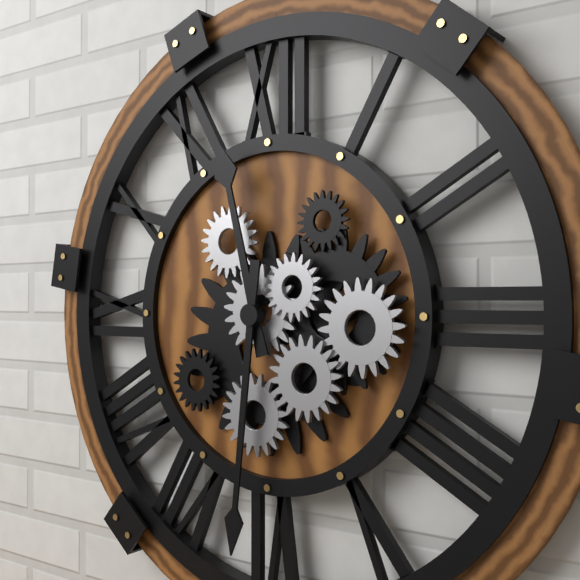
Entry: 11 h 31 min
